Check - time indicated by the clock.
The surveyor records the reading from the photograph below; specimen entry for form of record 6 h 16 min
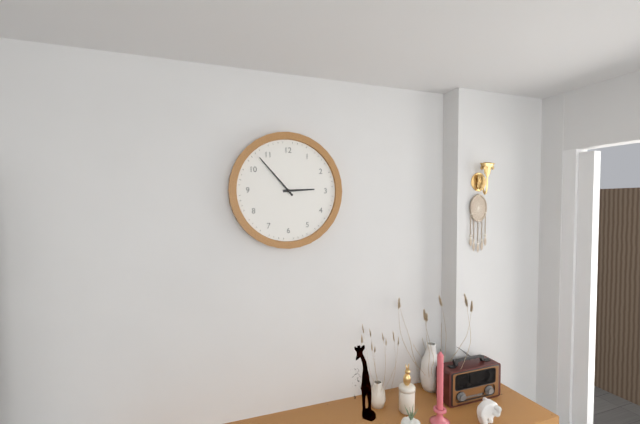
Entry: 2 h 53 min
